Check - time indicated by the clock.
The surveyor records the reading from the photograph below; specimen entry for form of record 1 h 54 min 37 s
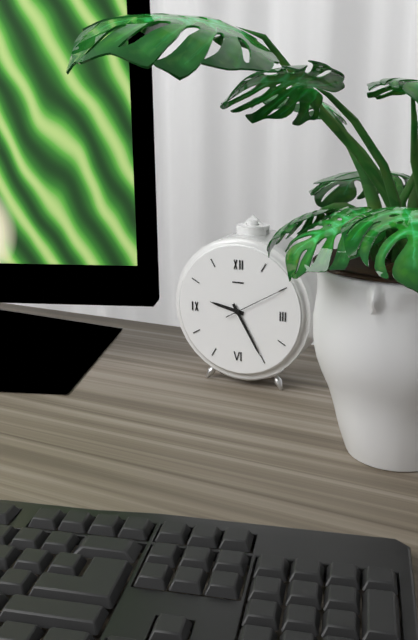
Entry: 9 h 25 min 10 s
